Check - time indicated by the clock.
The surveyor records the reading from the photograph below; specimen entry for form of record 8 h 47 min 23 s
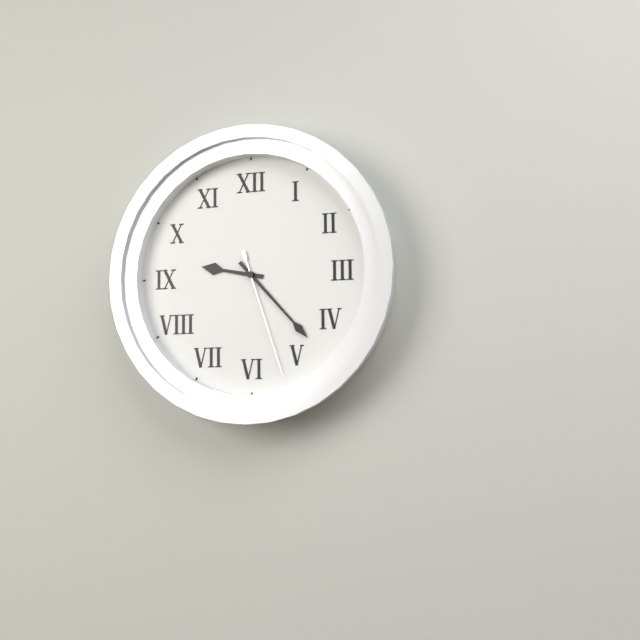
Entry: 9 h 23 min 27 s
